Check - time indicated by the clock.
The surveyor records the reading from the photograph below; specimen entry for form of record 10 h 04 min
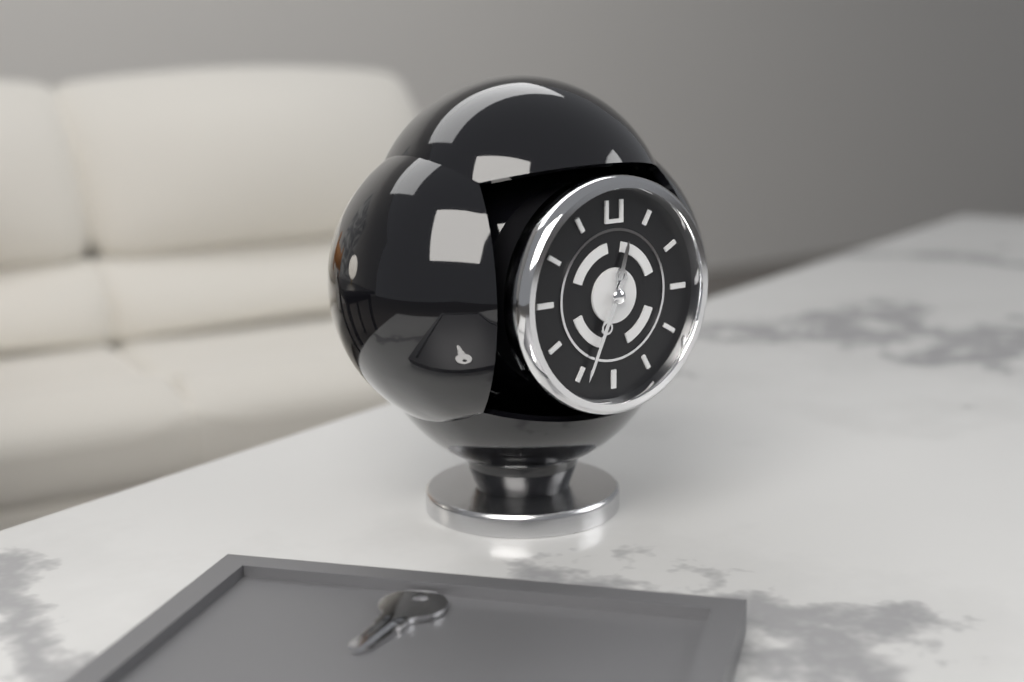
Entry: 12 h 34 min
